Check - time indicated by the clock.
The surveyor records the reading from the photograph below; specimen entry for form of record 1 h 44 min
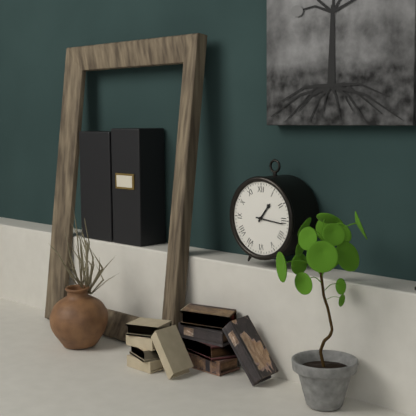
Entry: 1 h 16 min
